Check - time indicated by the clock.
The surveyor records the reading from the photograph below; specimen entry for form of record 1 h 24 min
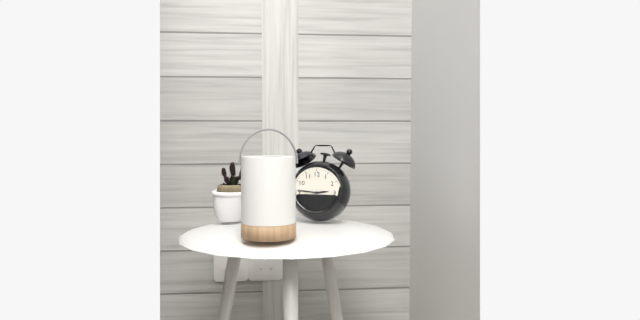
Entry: 2 h 46 min
